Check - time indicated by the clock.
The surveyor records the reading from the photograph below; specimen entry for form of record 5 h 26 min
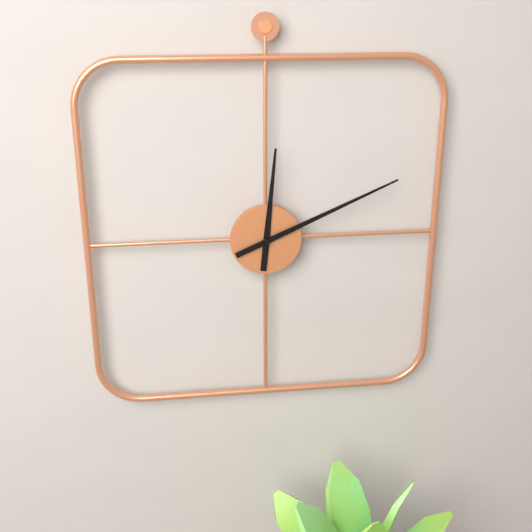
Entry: 12 h 11 min
